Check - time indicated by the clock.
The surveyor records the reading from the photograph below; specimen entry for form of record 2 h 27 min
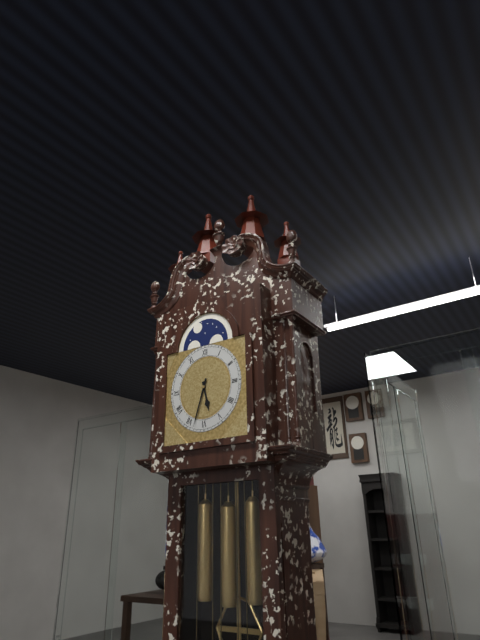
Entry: 5 h 33 min
